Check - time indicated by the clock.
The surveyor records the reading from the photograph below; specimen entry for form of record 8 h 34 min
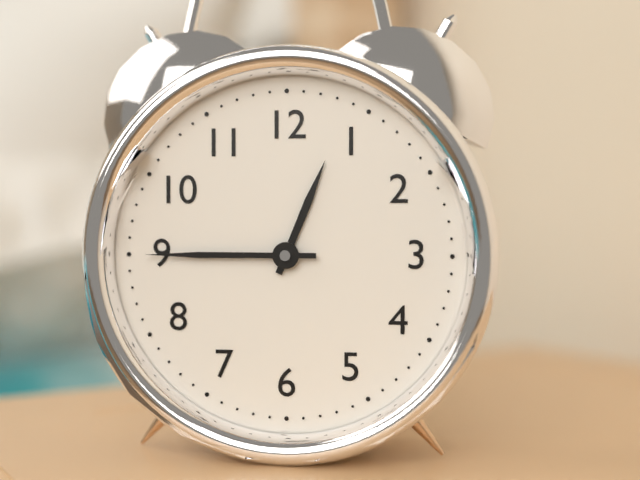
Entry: 12 h 45 min
